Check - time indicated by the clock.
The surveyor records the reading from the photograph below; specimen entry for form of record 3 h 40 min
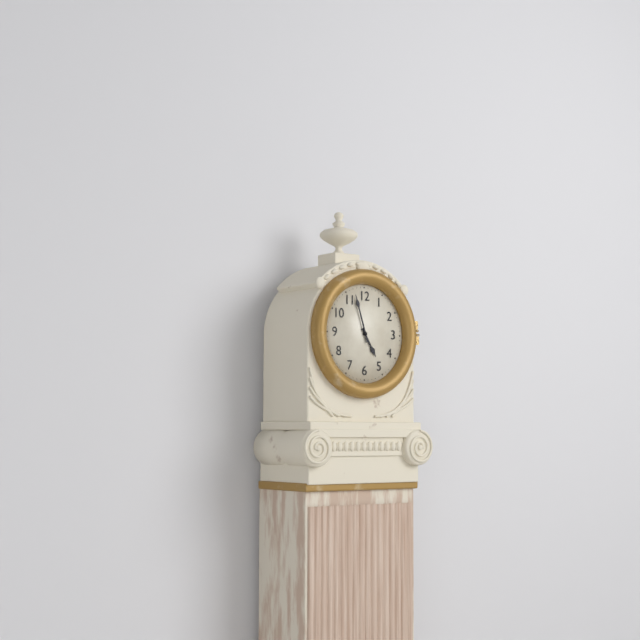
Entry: 4 h 57 min
